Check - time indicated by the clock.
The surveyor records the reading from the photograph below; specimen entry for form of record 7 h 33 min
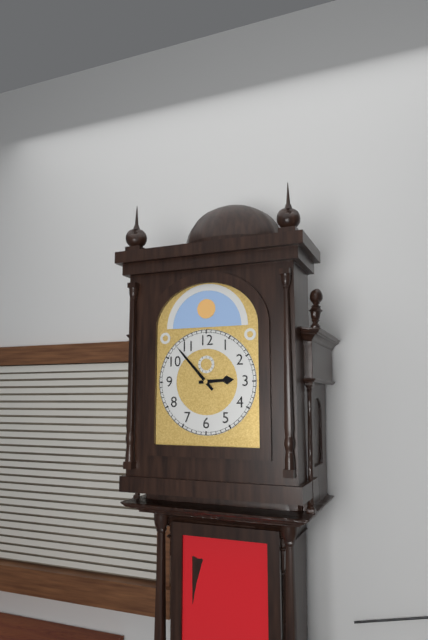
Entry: 2 h 53 min
